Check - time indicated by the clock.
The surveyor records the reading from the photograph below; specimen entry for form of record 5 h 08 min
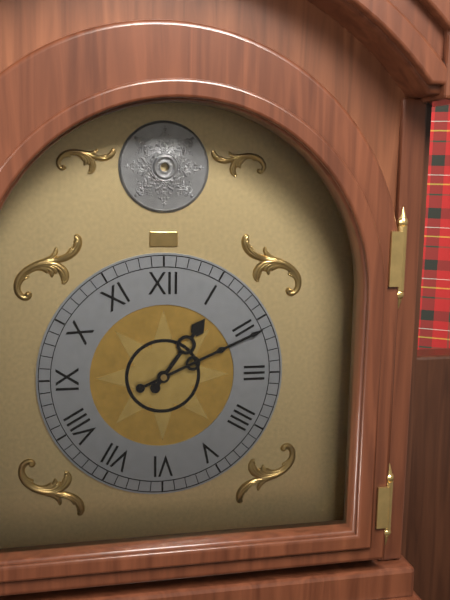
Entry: 1 h 11 min
